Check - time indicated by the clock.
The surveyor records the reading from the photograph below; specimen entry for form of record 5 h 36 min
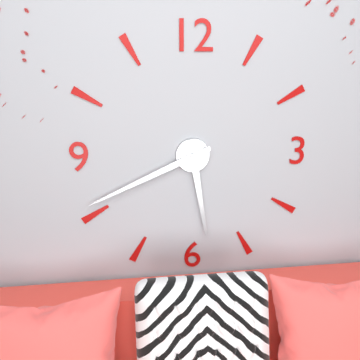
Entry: 5 h 41 min
